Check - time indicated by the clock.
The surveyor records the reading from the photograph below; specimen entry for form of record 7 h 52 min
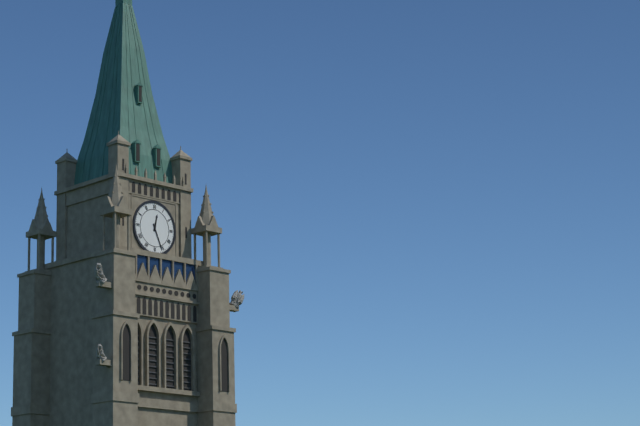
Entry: 12 h 26 min
